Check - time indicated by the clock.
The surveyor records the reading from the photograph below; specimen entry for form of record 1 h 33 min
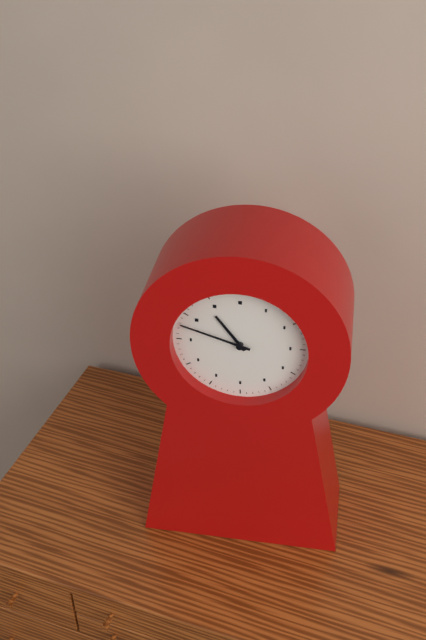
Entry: 10 h 48 min
